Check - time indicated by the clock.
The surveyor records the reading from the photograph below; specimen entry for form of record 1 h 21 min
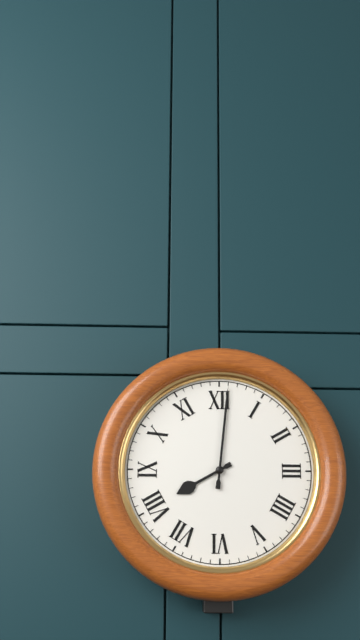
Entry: 8 h 01 min
